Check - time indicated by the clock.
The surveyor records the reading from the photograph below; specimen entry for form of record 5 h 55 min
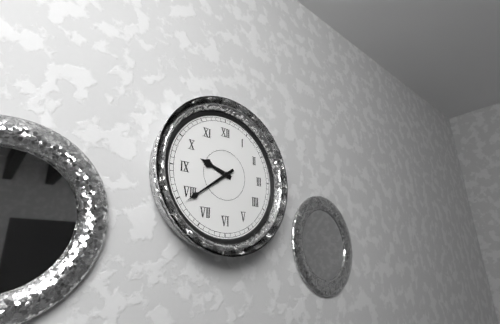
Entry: 9 h 39 min
